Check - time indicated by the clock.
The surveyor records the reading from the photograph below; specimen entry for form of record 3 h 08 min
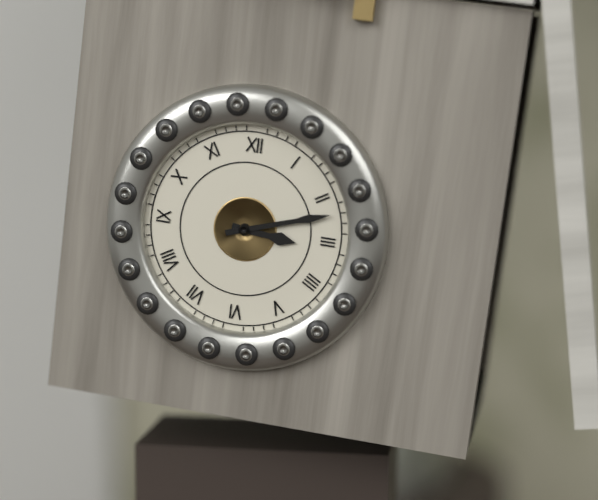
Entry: 3 h 12 min
